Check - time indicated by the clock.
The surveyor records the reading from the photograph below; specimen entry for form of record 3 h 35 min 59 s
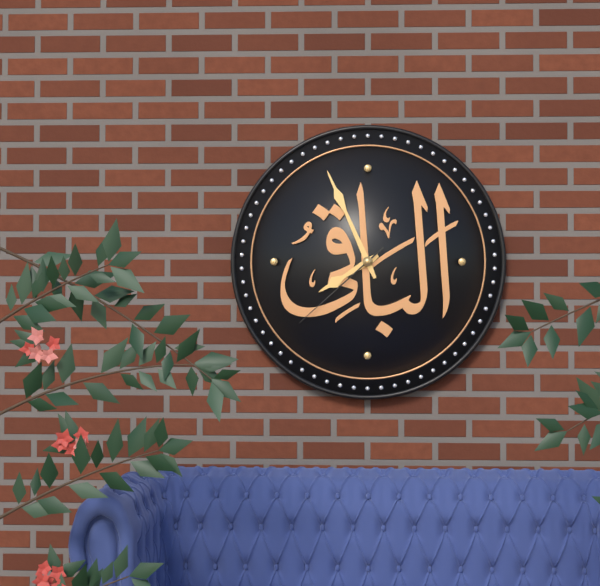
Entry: 7 h 56 min 38 s
